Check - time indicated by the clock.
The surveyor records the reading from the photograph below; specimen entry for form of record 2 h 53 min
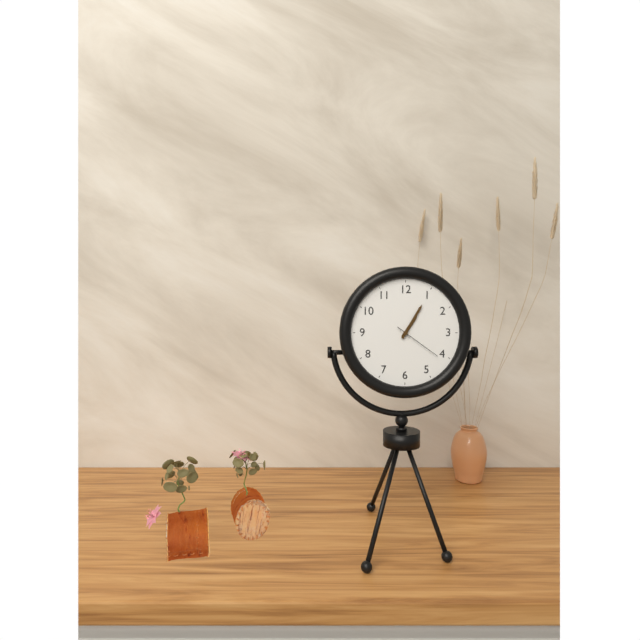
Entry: 1 h 05 min
